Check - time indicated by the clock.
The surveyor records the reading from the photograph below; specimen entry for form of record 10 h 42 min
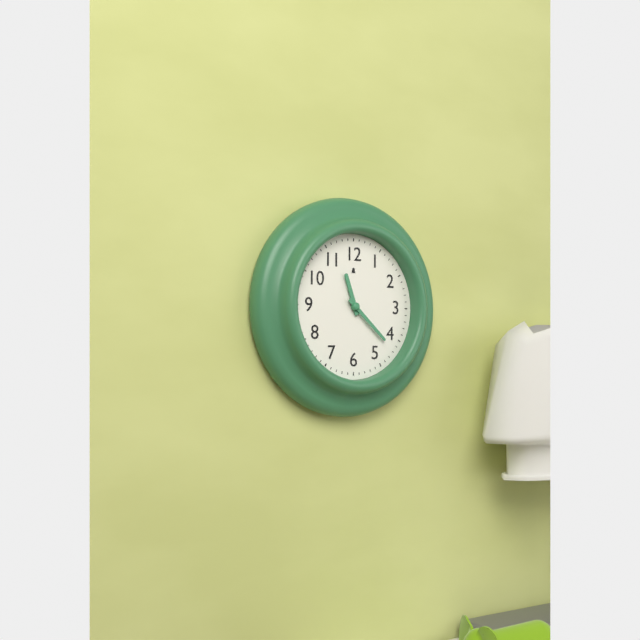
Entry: 11 h 22 min
